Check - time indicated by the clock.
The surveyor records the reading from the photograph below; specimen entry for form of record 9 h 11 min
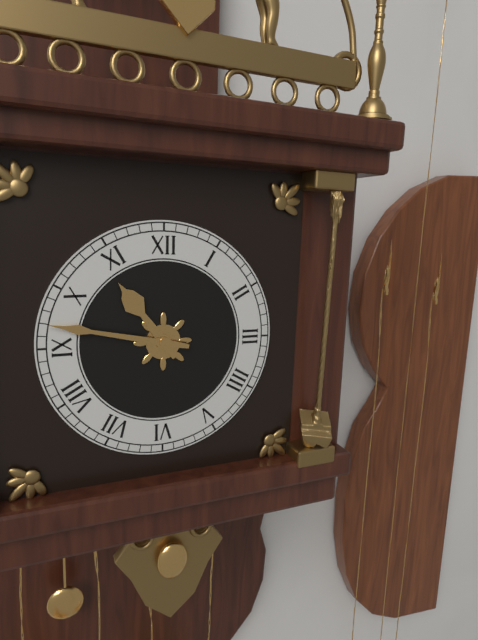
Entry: 10 h 47 min
